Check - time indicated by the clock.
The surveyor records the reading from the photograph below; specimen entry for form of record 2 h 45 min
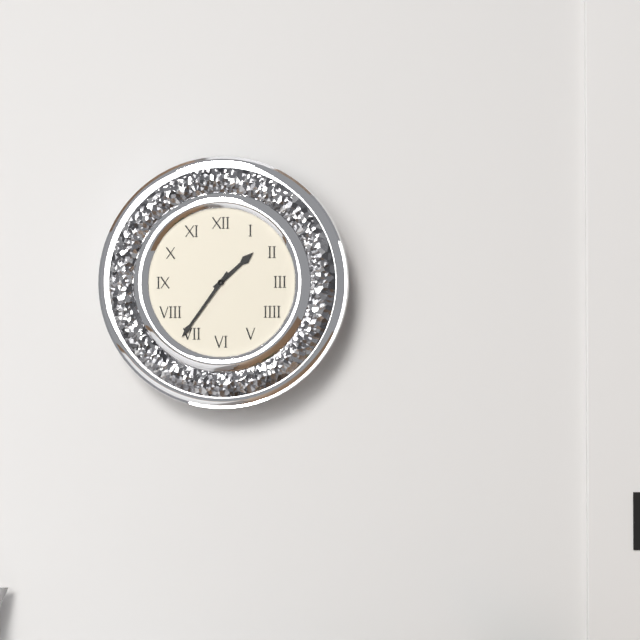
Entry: 1 h 36 min
